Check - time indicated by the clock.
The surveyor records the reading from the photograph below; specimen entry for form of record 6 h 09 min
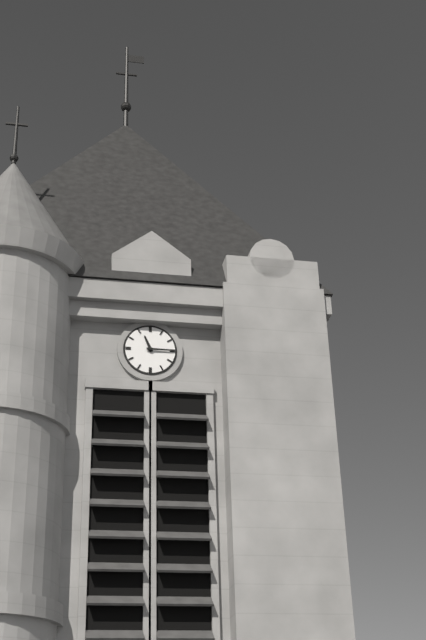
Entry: 11 h 15 min
